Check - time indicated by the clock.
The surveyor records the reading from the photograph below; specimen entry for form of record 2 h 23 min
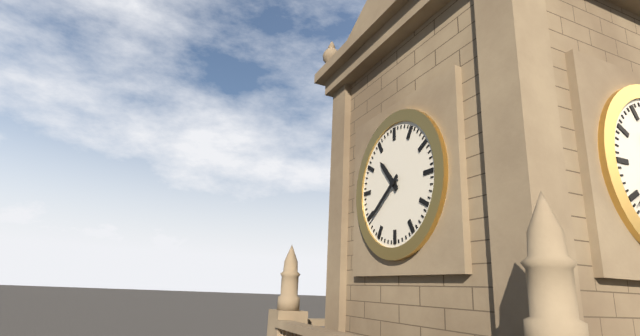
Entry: 10 h 39 min
